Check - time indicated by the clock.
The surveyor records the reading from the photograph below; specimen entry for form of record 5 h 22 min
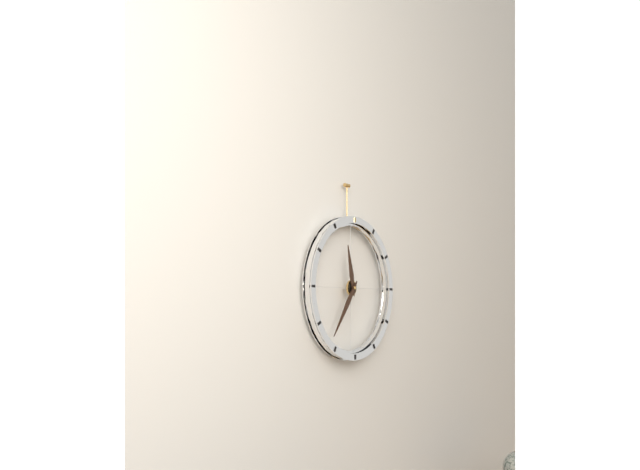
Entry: 11 h 36 min
